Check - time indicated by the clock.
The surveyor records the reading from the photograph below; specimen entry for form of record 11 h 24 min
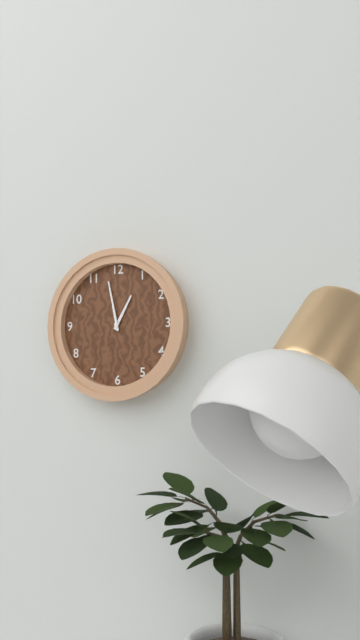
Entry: 12 h 58 min
